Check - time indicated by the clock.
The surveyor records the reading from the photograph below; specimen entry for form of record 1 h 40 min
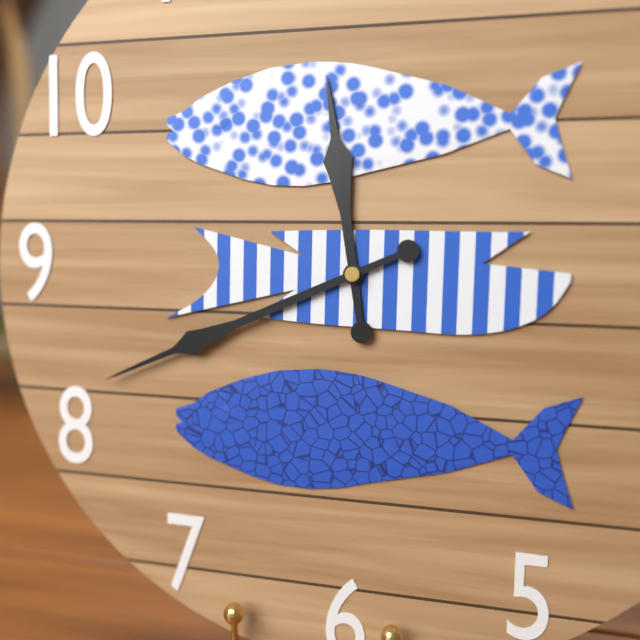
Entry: 11 h 41 min
